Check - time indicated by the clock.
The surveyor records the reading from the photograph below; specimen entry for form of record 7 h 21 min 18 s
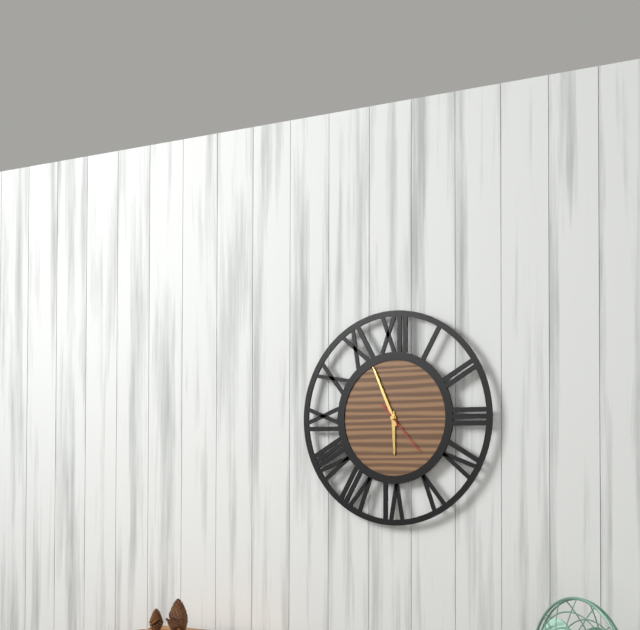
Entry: 5 h 56 min 23 s
